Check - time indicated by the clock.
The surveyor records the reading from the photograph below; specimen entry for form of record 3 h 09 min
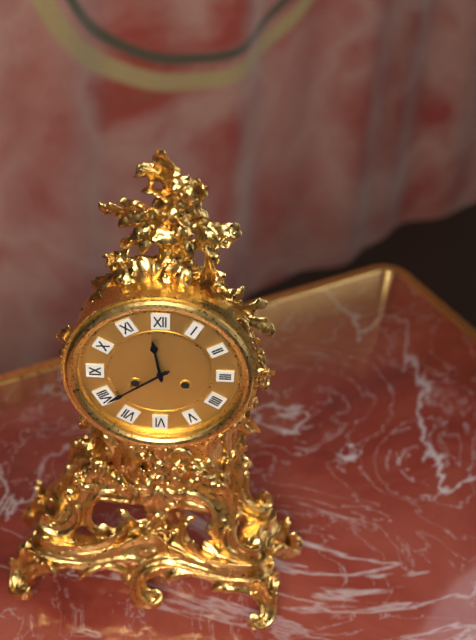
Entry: 11 h 39 min
